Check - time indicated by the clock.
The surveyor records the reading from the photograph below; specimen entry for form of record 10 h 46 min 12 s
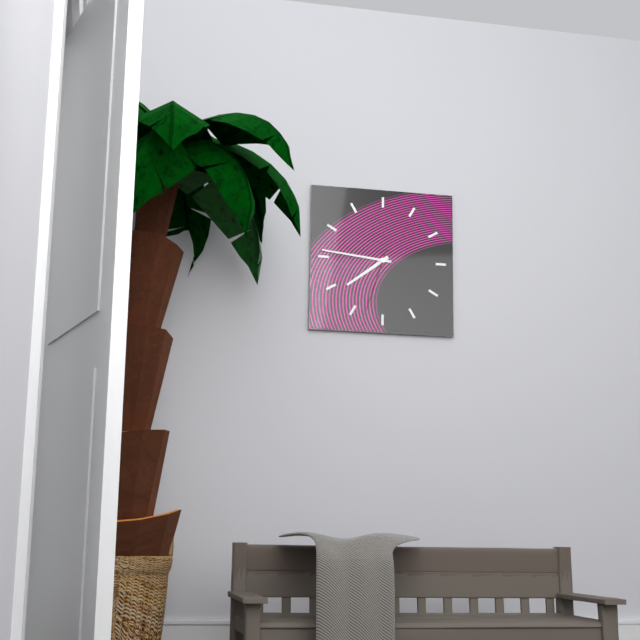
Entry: 7 h 46 min 33 s
